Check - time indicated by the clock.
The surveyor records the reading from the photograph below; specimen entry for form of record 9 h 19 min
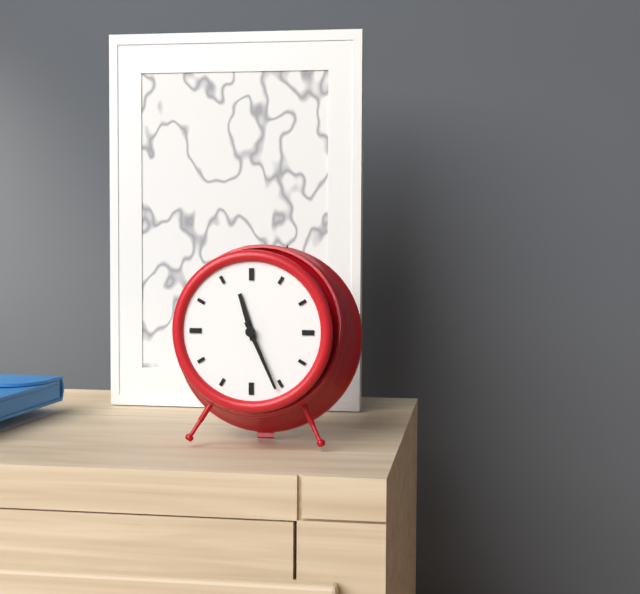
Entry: 11 h 26 min
